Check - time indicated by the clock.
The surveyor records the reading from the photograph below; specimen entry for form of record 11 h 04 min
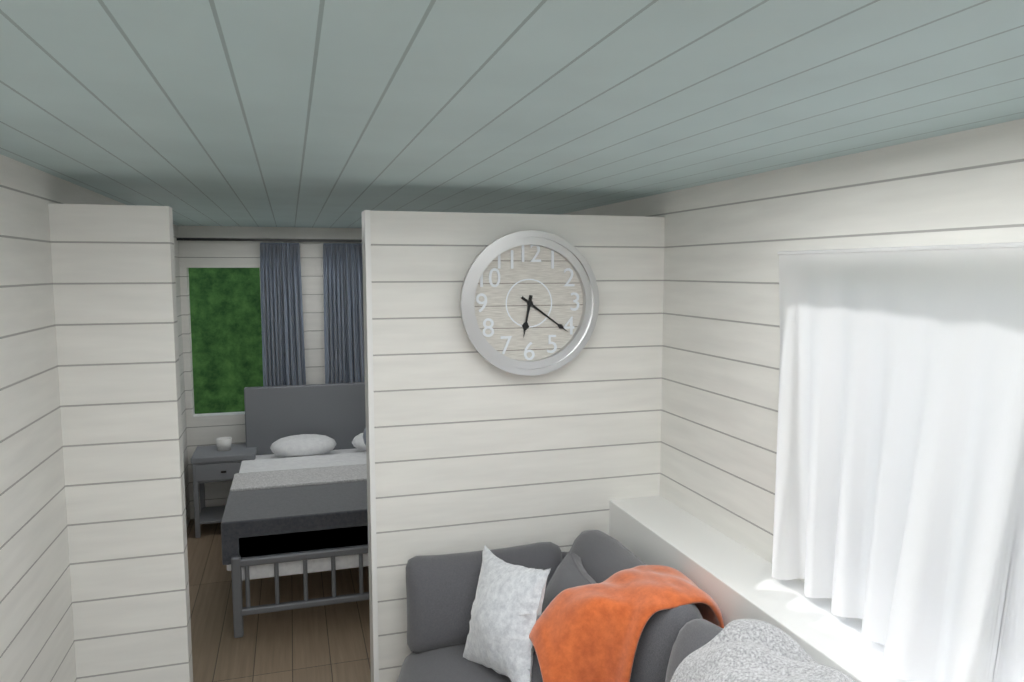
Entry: 6 h 21 min
